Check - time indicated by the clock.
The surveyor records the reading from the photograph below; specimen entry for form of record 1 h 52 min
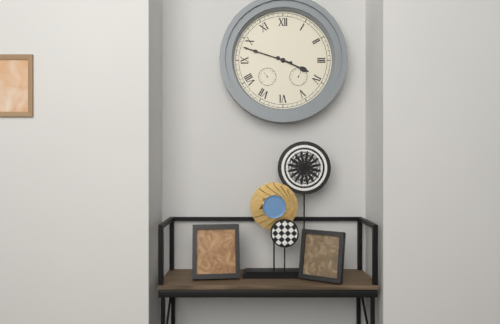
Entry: 3 h 48 min
